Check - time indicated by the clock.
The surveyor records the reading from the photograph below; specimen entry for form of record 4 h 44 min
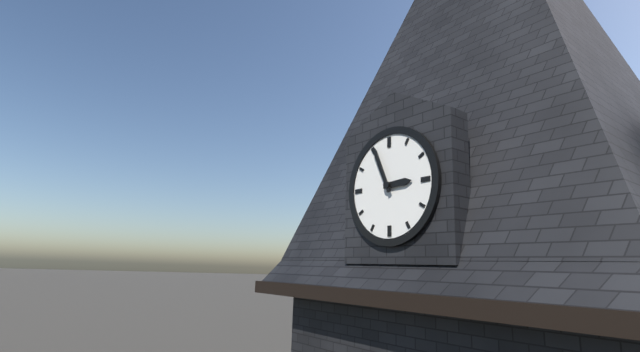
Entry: 2 h 56 min
